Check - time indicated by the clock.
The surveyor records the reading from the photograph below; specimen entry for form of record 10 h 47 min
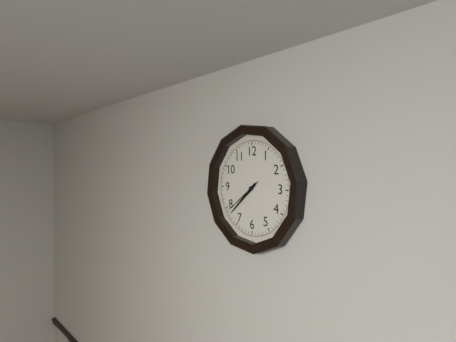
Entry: 7 h 38 min
